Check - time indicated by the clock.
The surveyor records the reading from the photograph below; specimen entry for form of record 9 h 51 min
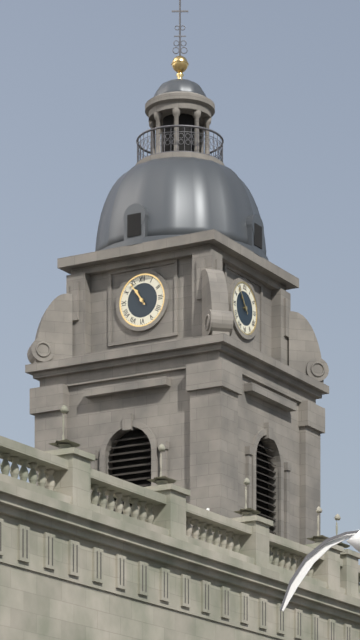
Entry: 10 h 54 min
